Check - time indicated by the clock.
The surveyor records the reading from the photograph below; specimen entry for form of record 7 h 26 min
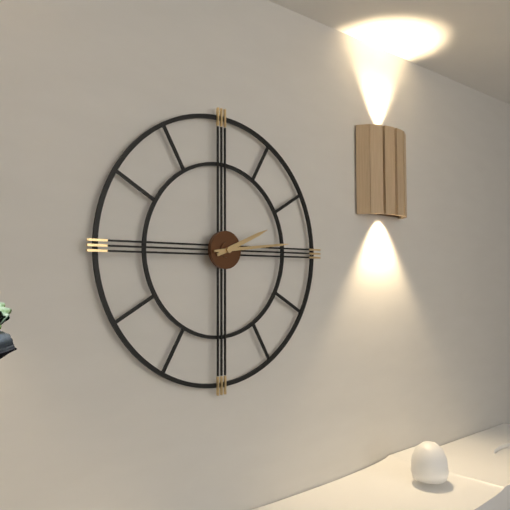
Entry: 2 h 14 min
